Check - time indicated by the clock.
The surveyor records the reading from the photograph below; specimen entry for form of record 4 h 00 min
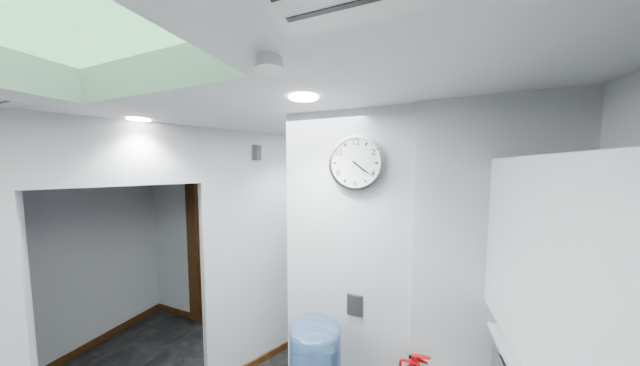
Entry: 4 h 21 min
